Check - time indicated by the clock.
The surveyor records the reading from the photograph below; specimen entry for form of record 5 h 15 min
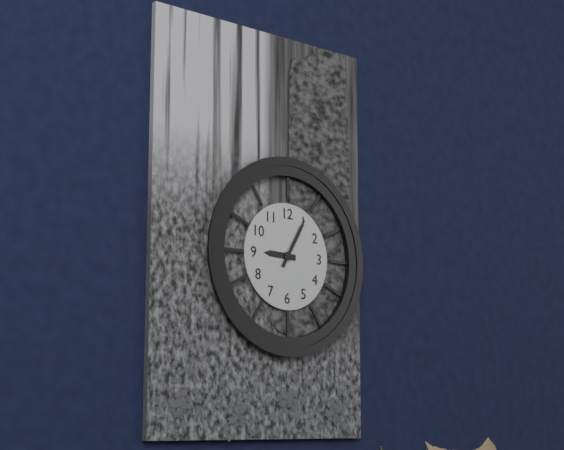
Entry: 9 h 05 min
